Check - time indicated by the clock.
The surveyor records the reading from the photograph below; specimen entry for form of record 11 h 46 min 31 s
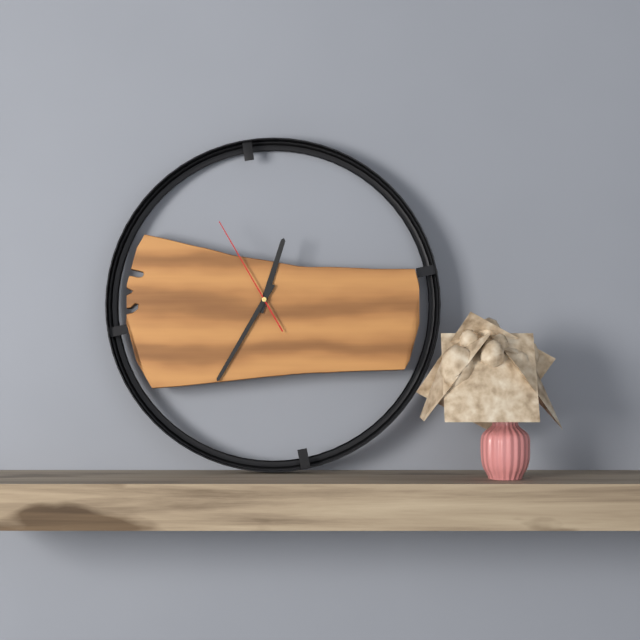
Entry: 12 h 35 min 55 s
